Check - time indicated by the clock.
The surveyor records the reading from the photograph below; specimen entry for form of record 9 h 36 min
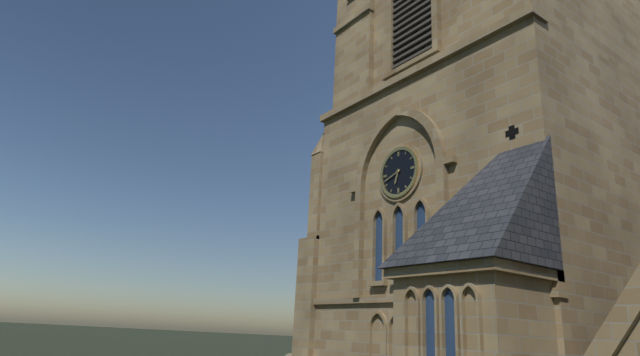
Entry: 6 h 42 min
